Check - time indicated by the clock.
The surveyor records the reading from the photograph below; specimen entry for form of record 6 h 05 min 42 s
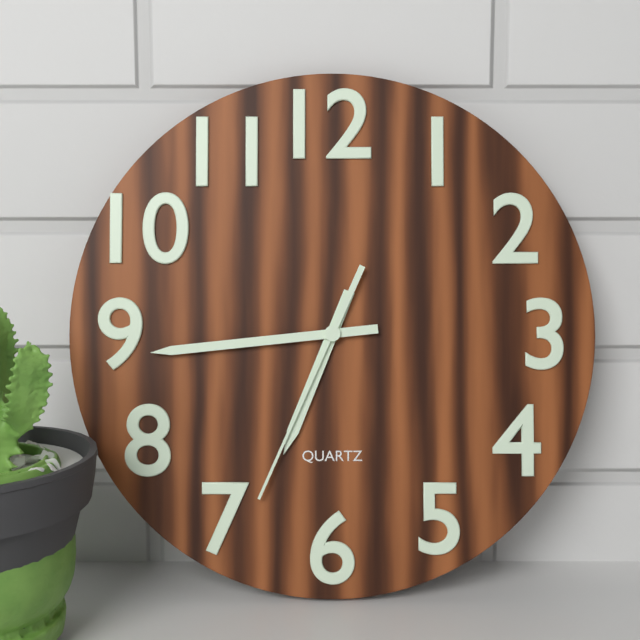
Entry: 6 h 44 min 34 s
